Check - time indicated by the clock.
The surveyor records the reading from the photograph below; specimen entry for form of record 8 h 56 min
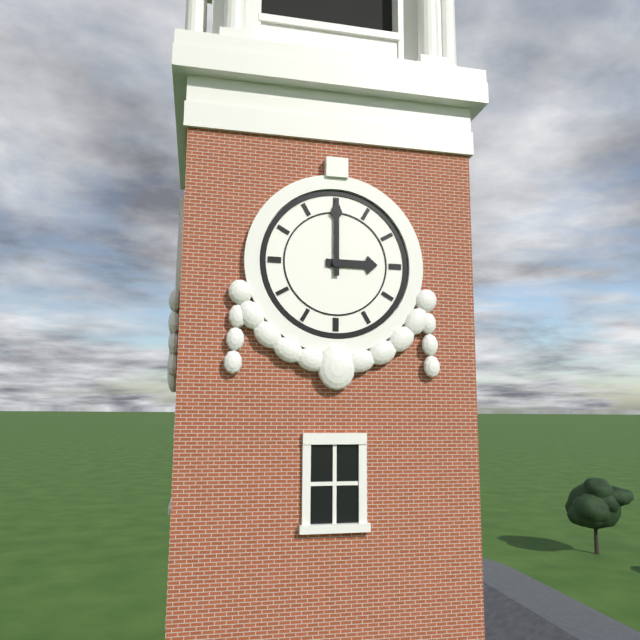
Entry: 3 h 00 min
